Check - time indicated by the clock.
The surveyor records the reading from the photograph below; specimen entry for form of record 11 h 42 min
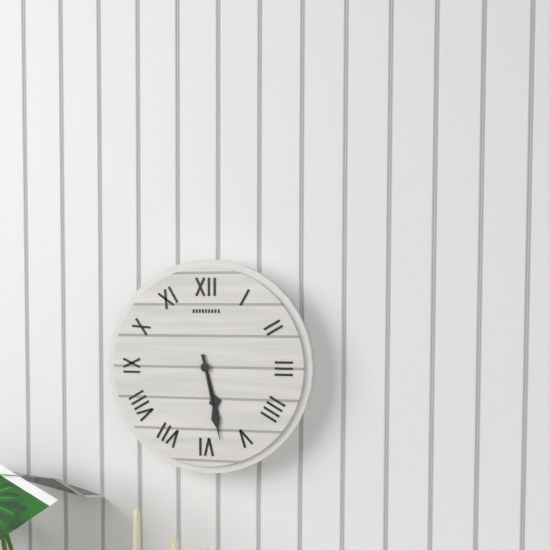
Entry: 5 h 28 min
